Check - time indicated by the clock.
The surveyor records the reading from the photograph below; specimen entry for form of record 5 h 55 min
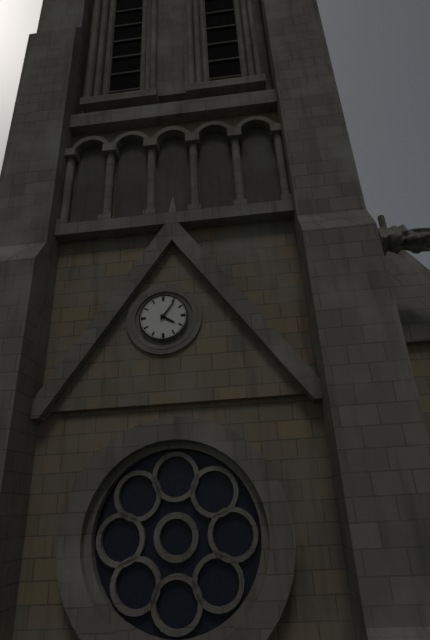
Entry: 4 h 06 min
